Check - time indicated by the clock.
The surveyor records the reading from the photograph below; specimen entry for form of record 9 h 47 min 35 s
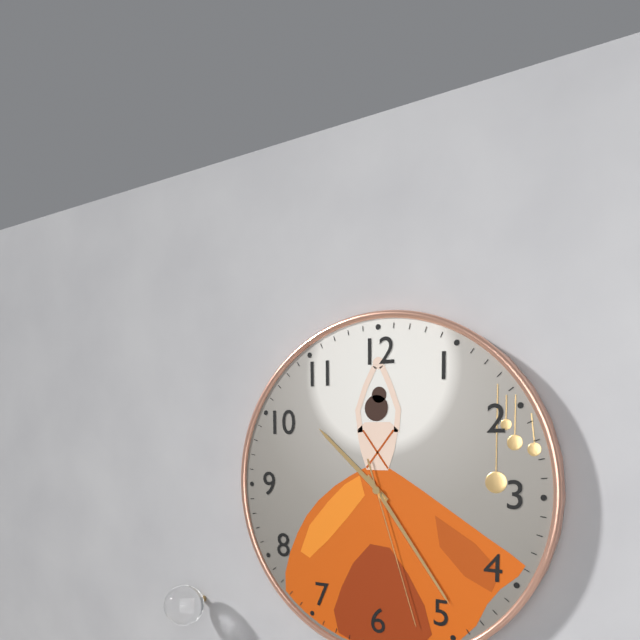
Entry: 10 h 24 min 27 s
